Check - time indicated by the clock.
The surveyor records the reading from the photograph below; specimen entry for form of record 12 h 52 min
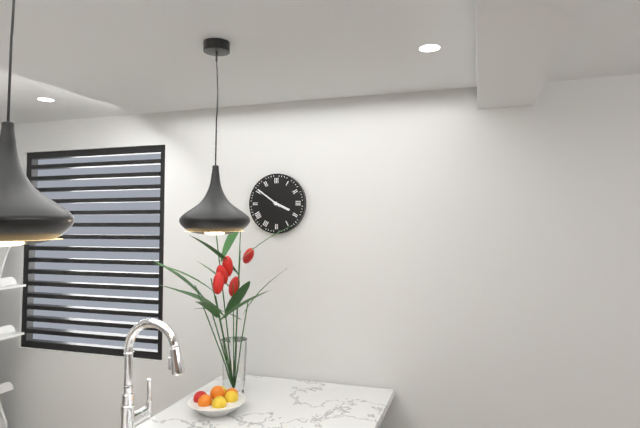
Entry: 3 h 51 min
